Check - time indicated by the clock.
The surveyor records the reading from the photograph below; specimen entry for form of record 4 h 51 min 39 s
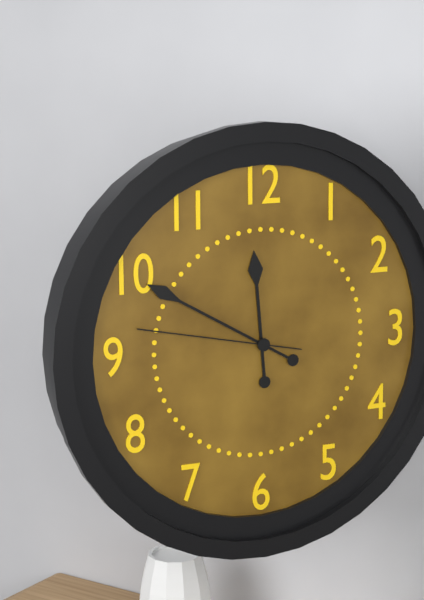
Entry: 11 h 50 min 47 s
